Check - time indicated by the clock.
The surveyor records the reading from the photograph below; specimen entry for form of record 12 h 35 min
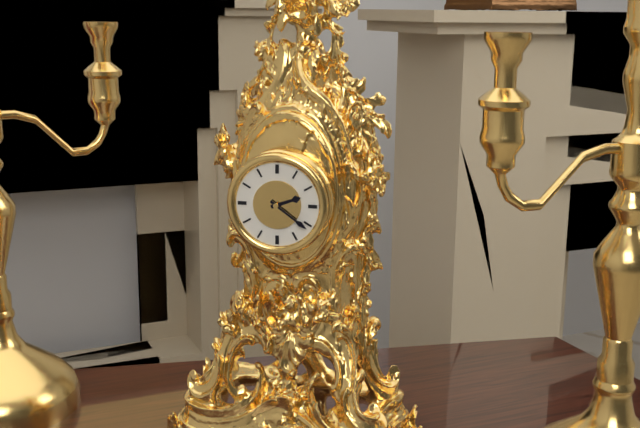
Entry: 2 h 21 min
